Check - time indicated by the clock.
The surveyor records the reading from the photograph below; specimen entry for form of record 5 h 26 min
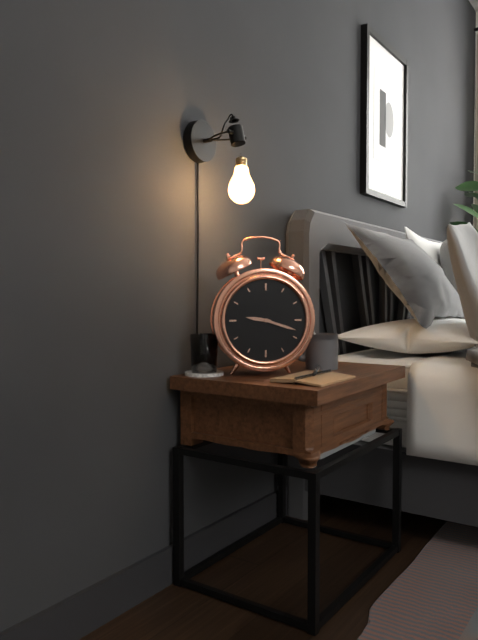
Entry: 9 h 18 min
